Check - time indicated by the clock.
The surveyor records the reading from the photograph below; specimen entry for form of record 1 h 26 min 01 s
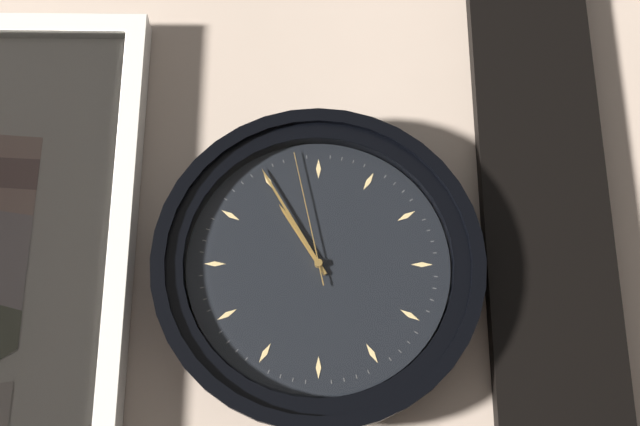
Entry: 10 h 55 min 58 s
